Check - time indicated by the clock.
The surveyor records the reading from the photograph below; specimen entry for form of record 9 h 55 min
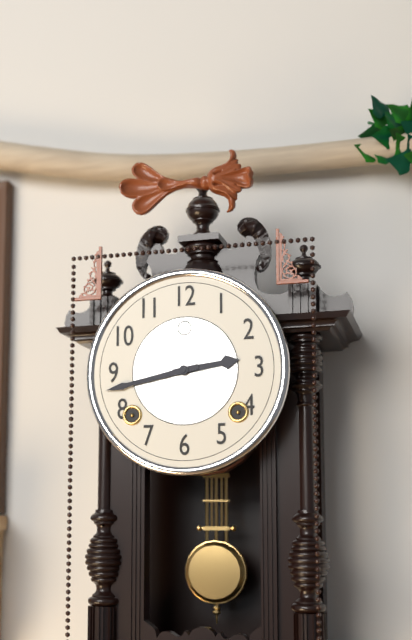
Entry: 2 h 43 min
